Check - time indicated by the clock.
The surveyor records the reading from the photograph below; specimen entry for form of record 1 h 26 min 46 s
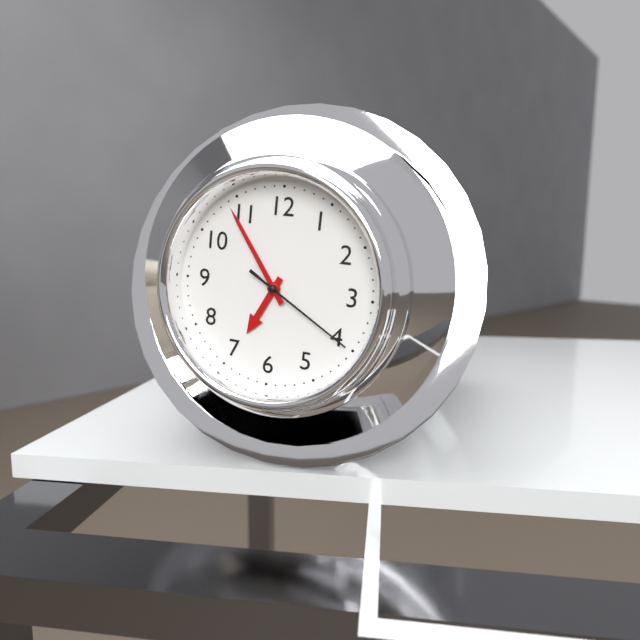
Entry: 6 h 54 min 20 s
